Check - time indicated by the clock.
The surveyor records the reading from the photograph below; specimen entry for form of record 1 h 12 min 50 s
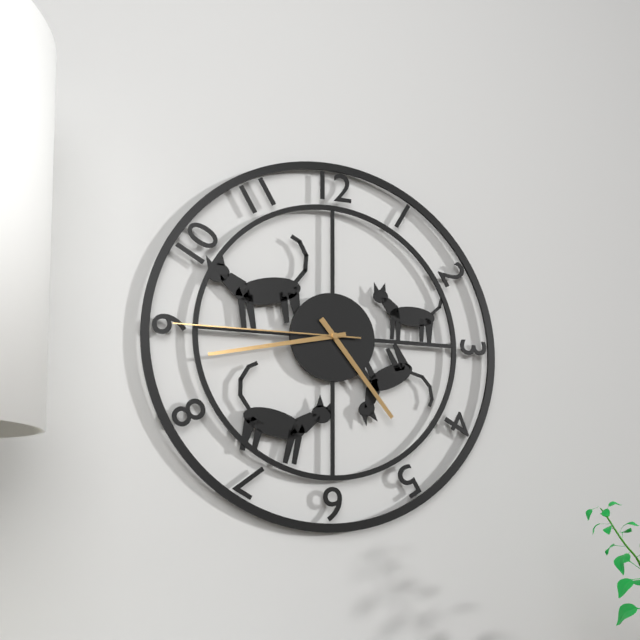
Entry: 4 h 43 min 45 s
